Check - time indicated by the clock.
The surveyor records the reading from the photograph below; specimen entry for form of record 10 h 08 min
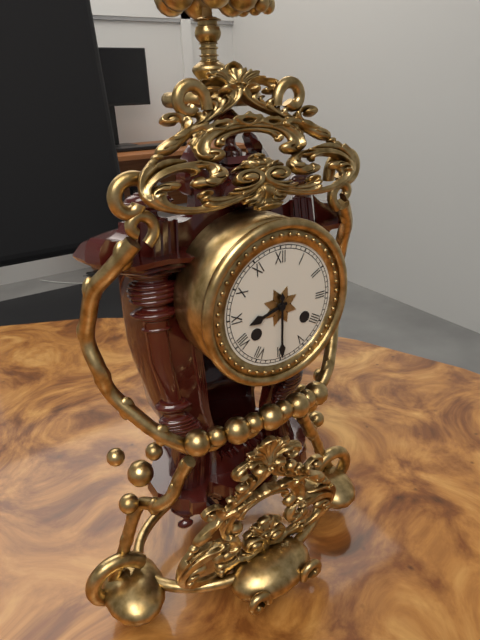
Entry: 8 h 30 min
